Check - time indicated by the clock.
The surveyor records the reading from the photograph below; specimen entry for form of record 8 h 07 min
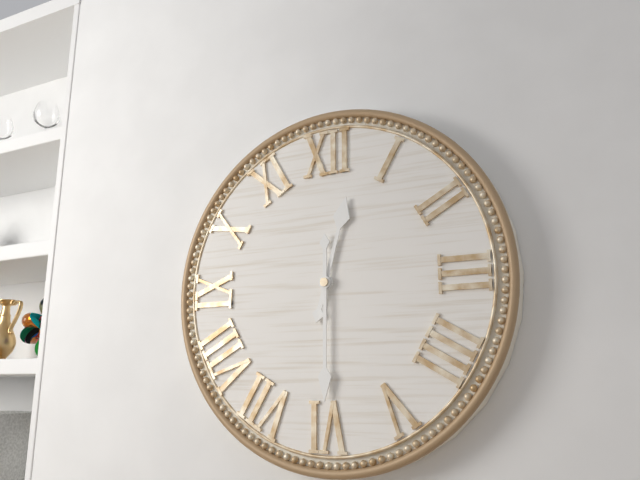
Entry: 12 h 30 min
